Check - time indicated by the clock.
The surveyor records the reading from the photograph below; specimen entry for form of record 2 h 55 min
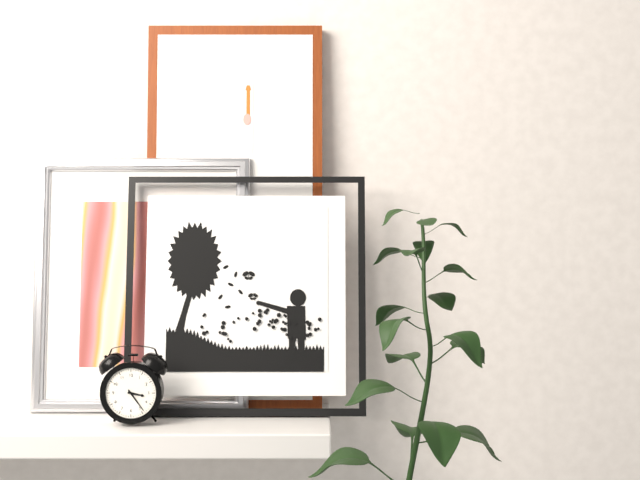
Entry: 3 h 24 min
